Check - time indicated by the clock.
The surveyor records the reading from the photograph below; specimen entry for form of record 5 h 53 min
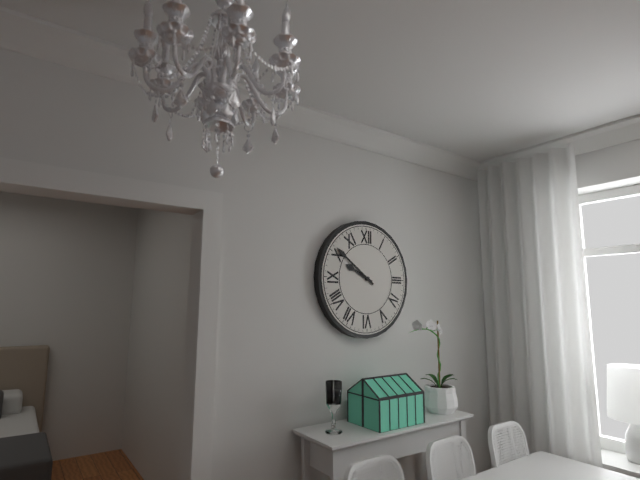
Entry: 9 h 51 min
